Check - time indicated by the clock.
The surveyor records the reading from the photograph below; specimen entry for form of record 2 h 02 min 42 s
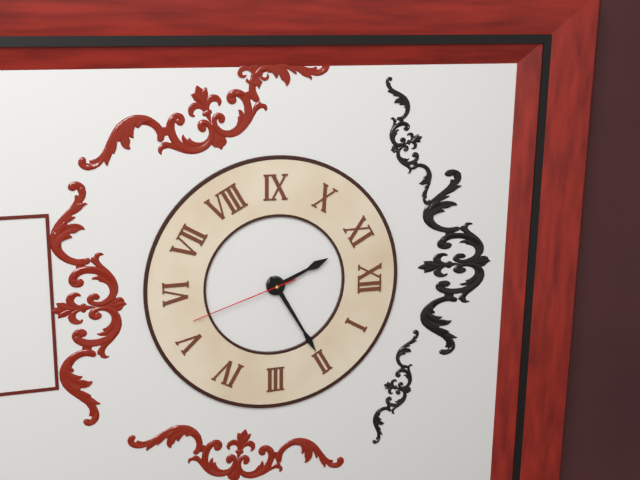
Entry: 11 h 10 min 27 s
